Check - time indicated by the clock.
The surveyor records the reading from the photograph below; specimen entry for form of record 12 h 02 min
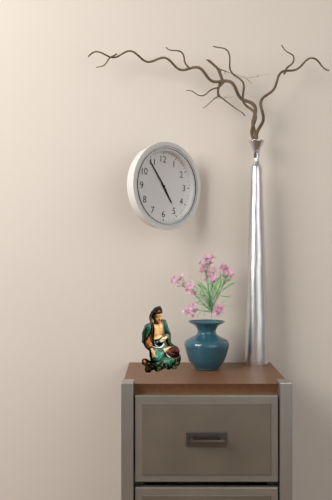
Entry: 4 h 54 min
